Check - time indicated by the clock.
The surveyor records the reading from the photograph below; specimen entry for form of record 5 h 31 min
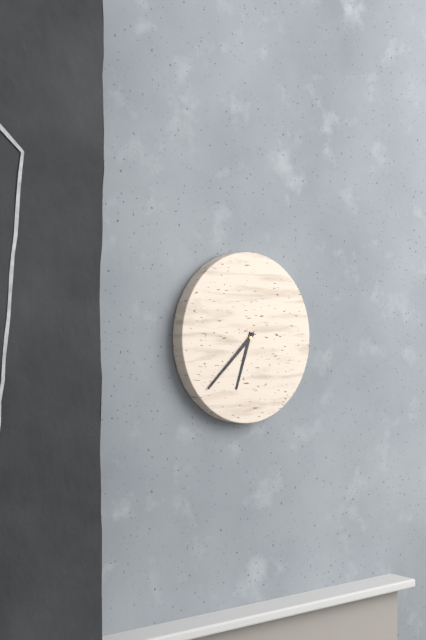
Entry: 6 h 38 min
